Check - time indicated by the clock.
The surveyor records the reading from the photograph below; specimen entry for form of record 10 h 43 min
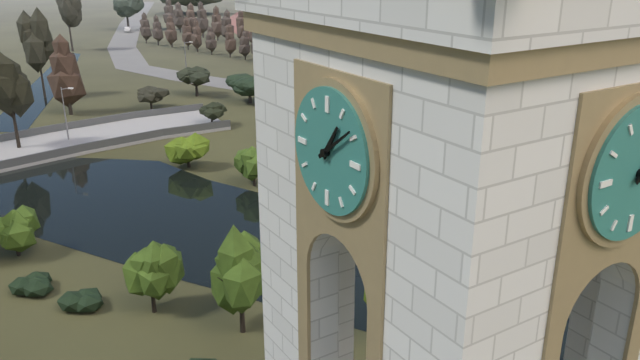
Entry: 1 h 09 min
